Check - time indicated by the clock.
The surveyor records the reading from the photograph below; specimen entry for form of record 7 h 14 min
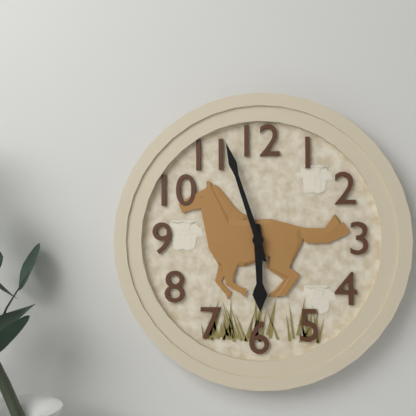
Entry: 5 h 57 min
